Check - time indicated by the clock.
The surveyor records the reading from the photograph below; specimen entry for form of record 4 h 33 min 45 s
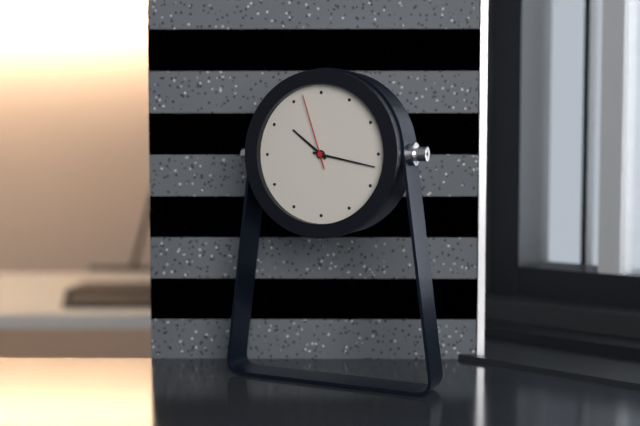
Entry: 10 h 17 min 57 s
